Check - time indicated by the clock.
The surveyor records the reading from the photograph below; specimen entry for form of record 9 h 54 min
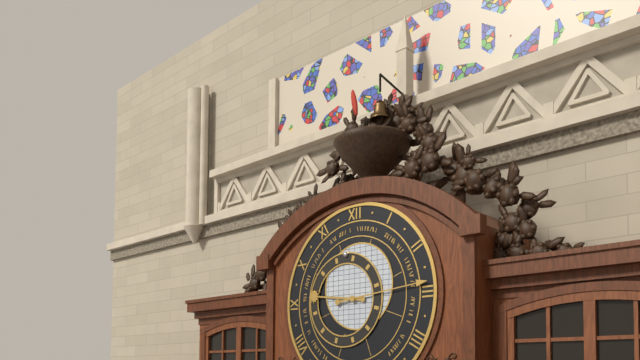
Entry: 9 h 14 min
